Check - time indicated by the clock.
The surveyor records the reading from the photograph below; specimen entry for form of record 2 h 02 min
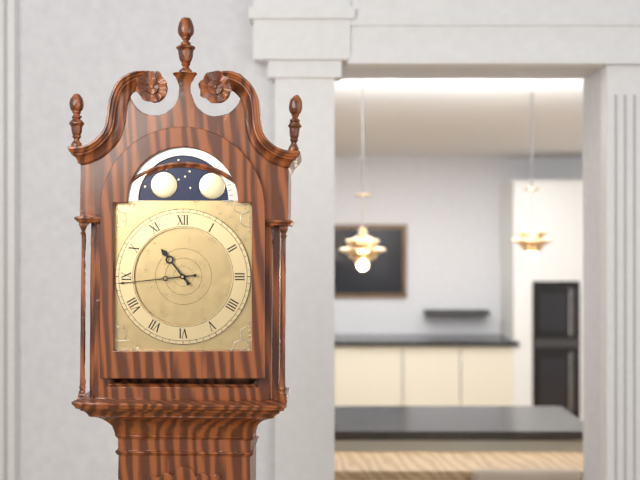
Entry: 10 h 44 min
